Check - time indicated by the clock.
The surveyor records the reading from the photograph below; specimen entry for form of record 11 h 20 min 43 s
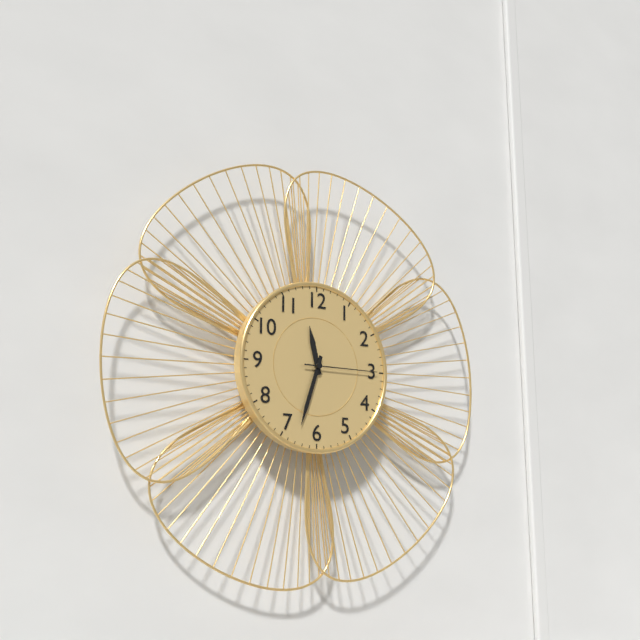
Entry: 11 h 33 min 15 s
